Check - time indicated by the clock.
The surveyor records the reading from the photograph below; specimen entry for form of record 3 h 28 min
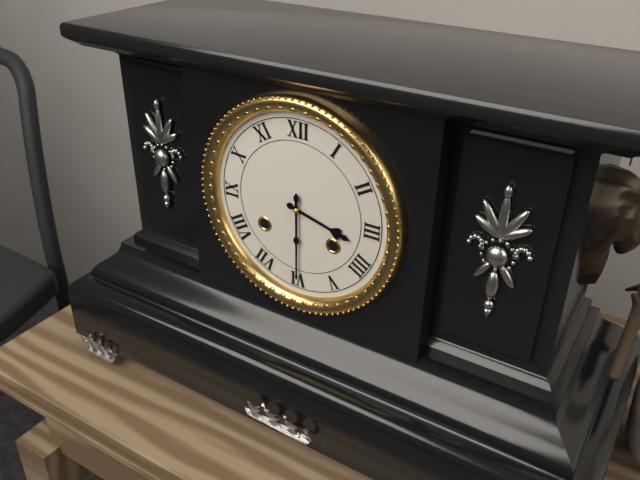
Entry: 3 h 30 min
